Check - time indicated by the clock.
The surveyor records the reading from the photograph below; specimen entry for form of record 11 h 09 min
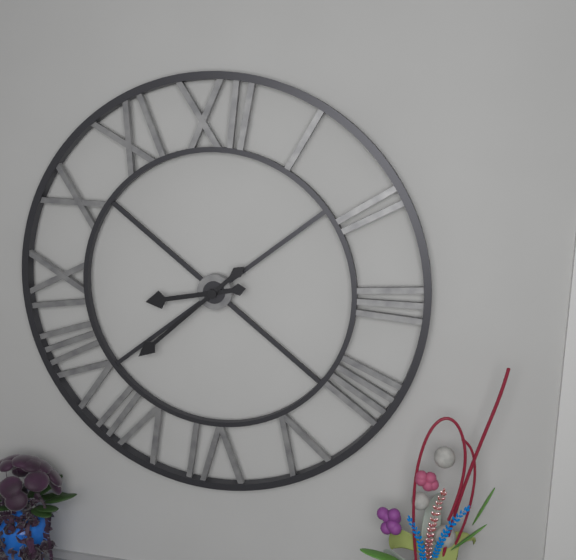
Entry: 8 h 38 min
